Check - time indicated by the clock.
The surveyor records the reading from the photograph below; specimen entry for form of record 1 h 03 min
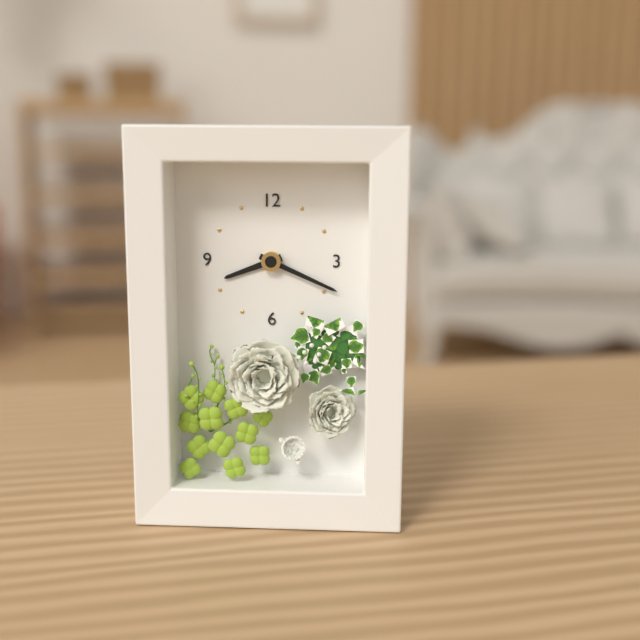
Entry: 8 h 19 min
